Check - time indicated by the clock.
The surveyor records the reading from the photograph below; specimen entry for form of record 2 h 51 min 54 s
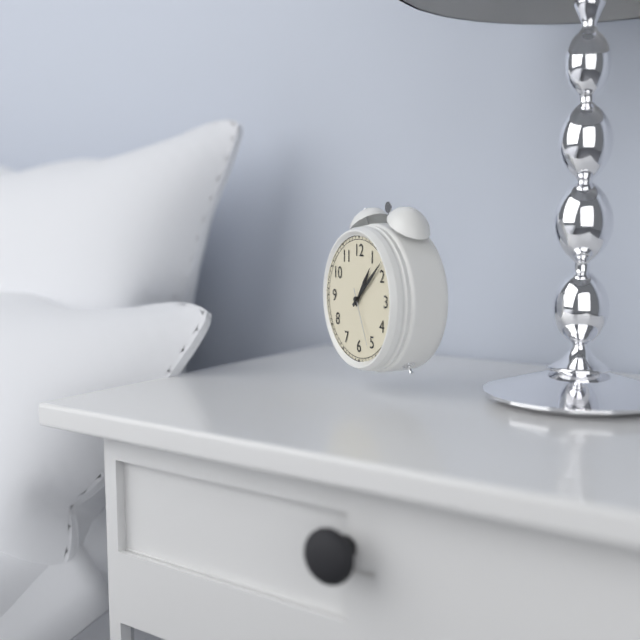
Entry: 1 h 08 min 26 s
